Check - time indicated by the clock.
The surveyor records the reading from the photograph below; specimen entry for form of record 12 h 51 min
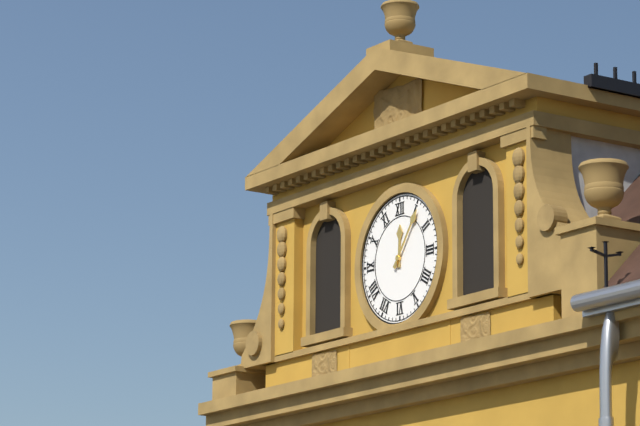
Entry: 12 h 06 min
